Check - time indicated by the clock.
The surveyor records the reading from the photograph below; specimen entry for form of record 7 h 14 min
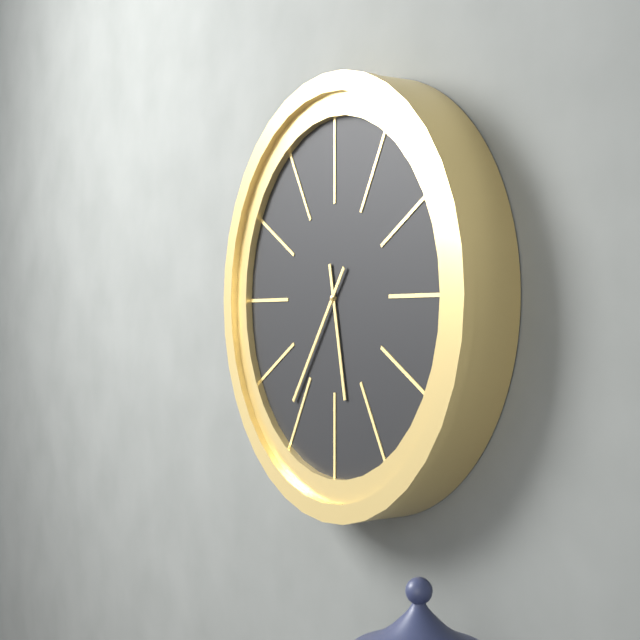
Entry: 5 h 36 min
